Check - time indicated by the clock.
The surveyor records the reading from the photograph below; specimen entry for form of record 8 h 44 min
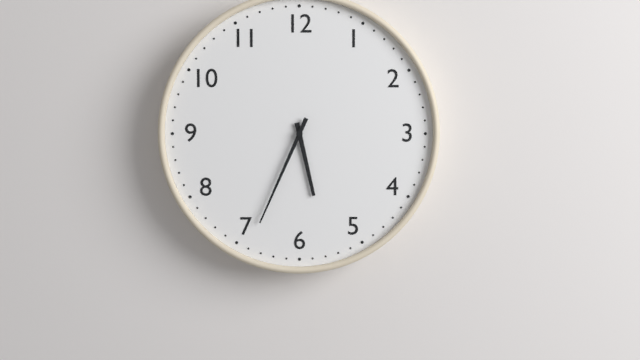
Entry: 5 h 34 min
